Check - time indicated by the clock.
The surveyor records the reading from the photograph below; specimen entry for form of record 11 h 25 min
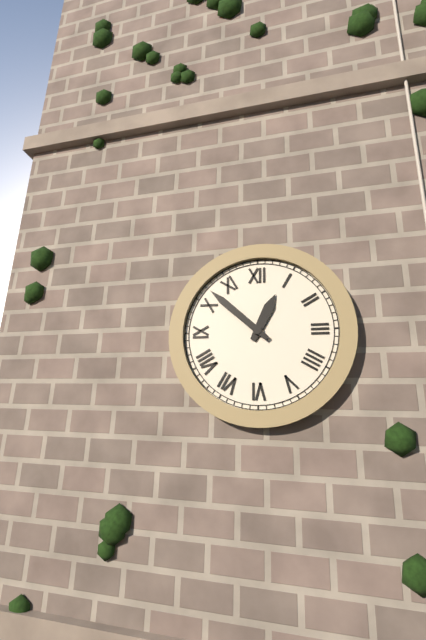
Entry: 12 h 52 min
